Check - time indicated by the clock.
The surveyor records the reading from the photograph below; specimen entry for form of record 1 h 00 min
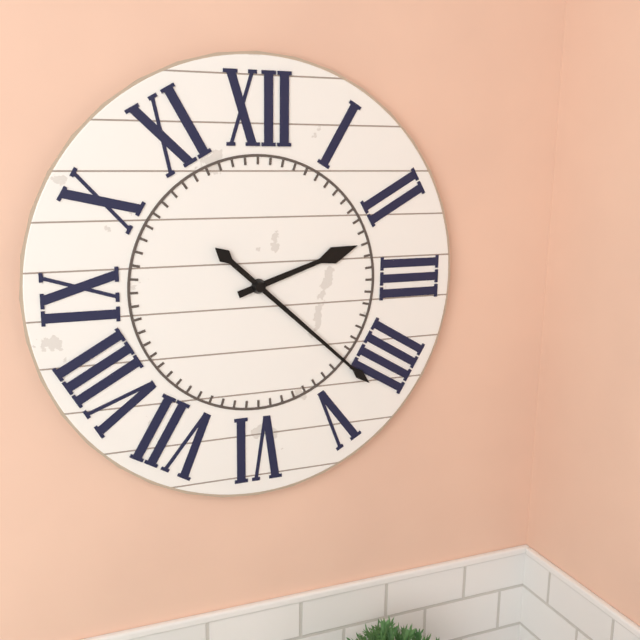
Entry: 2 h 22 min
